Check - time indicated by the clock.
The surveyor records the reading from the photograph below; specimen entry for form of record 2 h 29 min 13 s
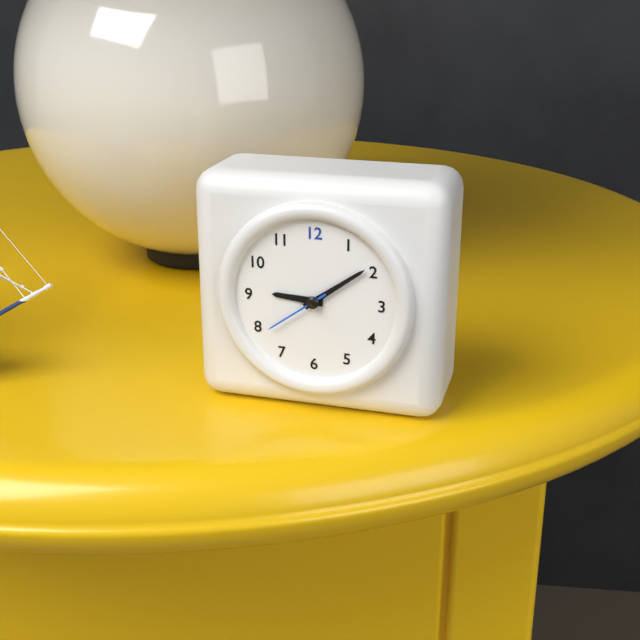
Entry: 9 h 09 min 39 s
